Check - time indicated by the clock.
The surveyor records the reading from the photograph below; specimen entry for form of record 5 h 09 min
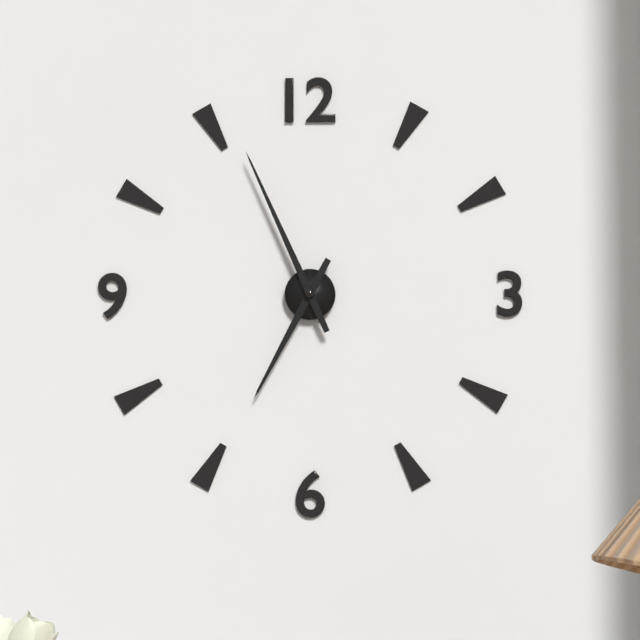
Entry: 6 h 56 min
